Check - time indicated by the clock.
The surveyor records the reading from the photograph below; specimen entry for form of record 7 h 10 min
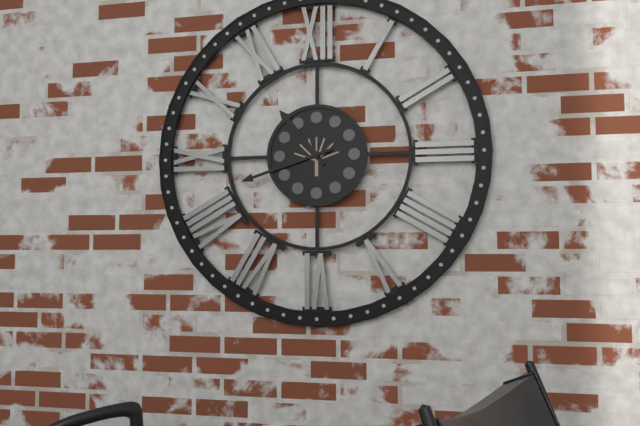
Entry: 10 h 42 min
